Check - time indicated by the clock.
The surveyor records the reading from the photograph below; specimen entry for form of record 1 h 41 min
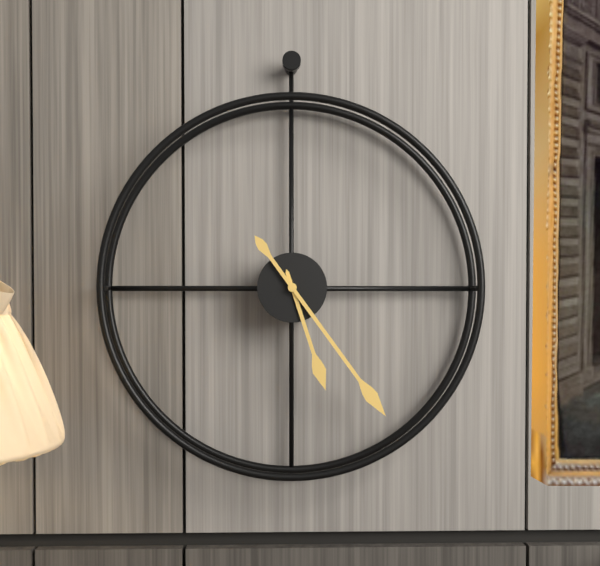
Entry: 5 h 24 min
